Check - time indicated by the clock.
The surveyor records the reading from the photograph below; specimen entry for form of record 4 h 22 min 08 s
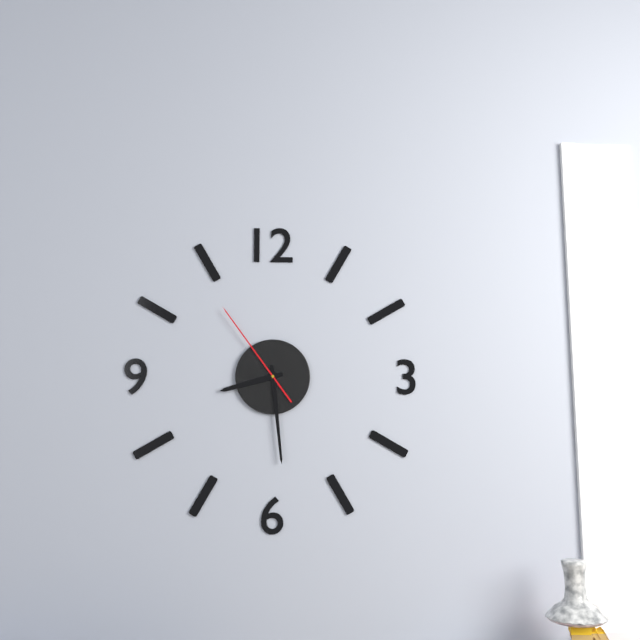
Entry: 8 h 29 min 54 s
